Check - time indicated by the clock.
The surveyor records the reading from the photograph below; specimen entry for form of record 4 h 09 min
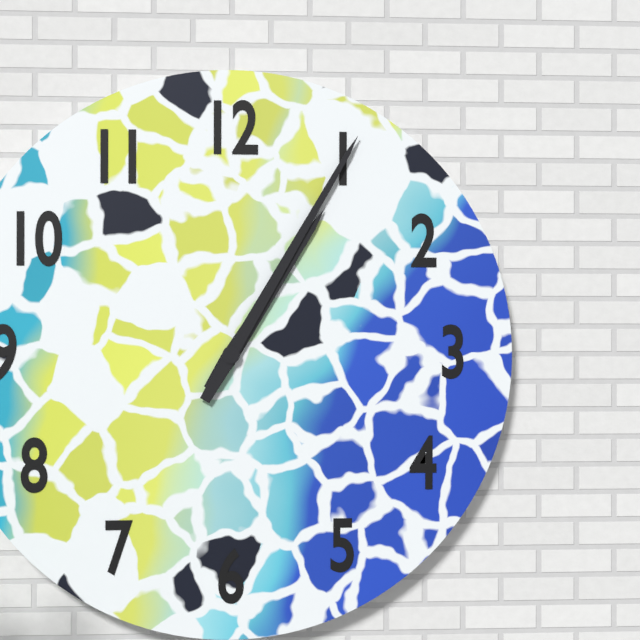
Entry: 1 h 05 min
